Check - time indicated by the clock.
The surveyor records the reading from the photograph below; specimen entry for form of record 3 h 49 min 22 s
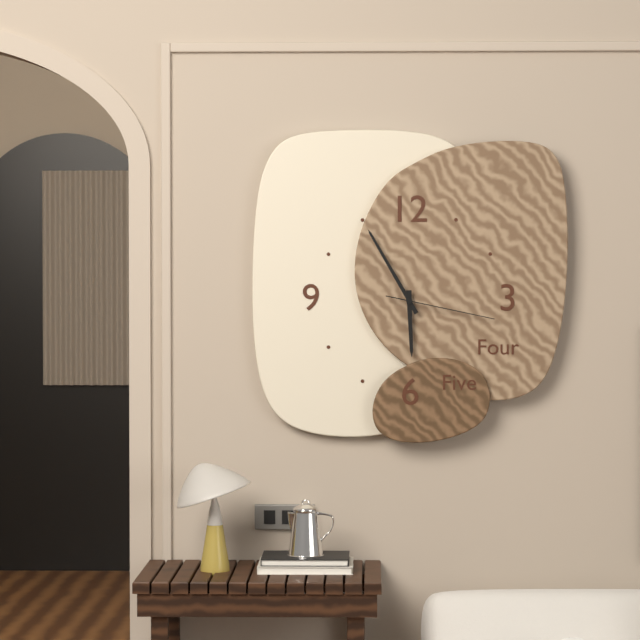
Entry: 5 h 55 min 17 s
